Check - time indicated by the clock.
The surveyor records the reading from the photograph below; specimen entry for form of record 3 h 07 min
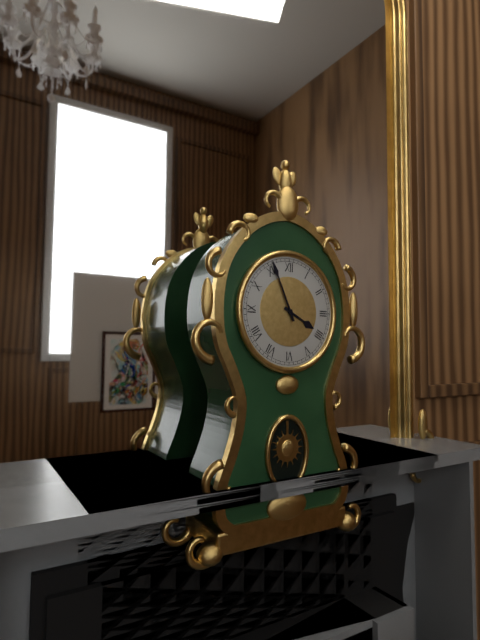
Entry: 3 h 56 min
